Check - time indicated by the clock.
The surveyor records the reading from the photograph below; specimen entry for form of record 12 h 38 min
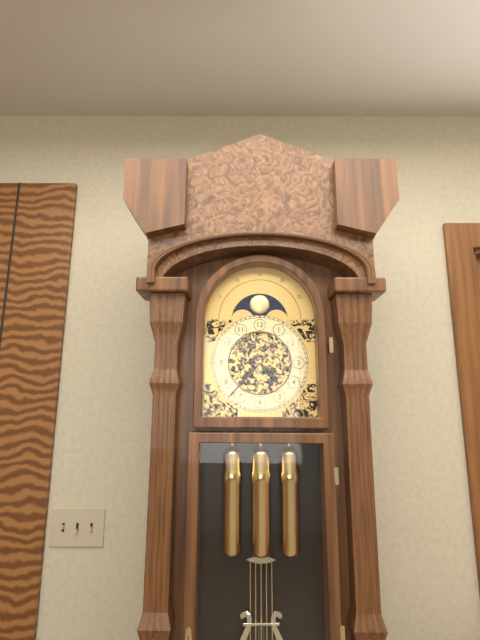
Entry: 4 h 37 min
